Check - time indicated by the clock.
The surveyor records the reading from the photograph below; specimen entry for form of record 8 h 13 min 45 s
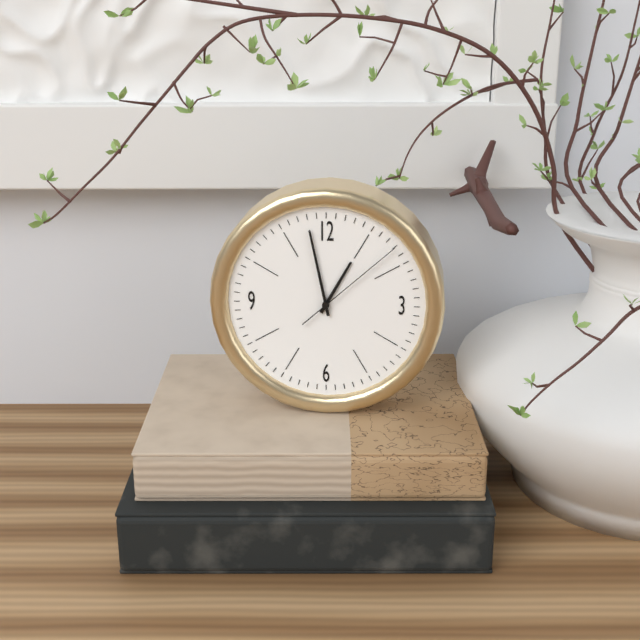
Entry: 12 h 58 min 08 s
